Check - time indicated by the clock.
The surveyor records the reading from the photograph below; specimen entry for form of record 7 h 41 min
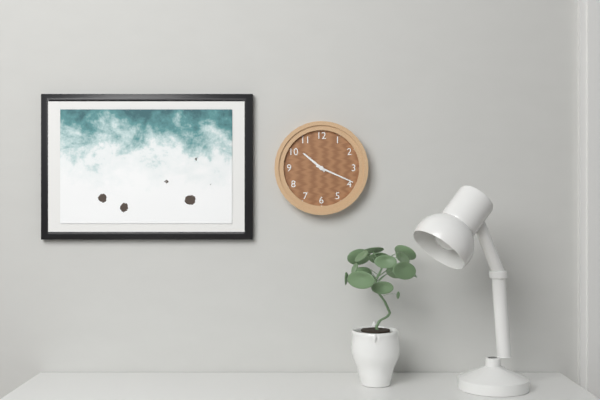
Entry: 10 h 19 min
